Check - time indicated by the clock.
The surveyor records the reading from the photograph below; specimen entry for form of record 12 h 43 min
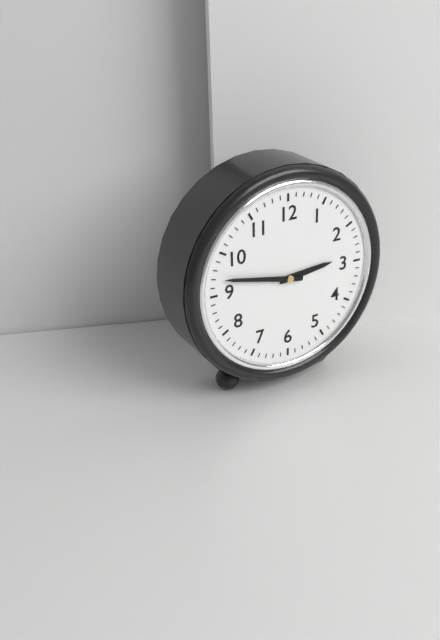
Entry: 2 h 47 min
